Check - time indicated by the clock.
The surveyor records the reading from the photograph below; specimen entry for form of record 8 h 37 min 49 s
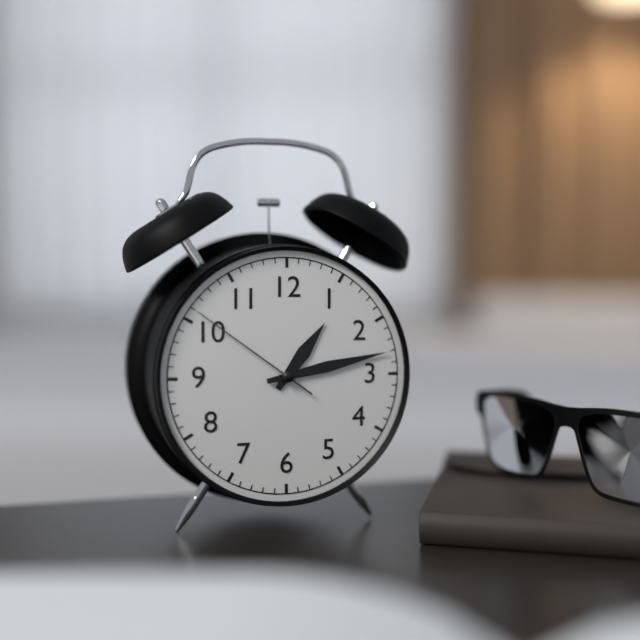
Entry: 1 h 13 min 51 s
